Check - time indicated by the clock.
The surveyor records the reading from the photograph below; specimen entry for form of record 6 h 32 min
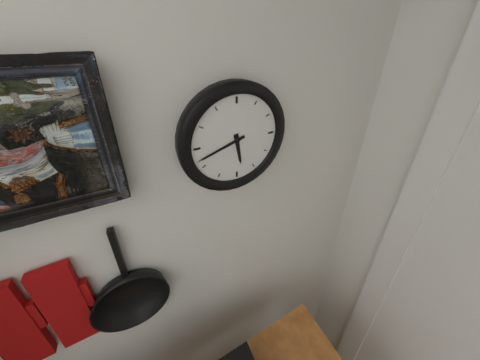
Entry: 5 h 42 min
